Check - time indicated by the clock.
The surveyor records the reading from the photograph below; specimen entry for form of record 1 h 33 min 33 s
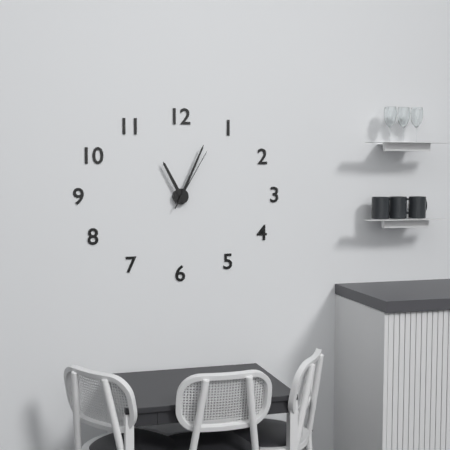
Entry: 11 h 04 min 05 s
